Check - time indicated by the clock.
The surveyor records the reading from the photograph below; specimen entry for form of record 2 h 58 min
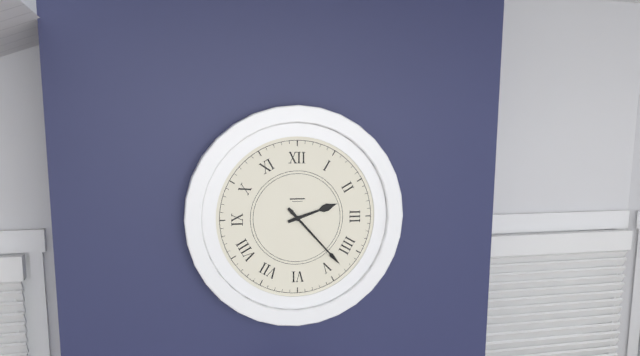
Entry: 2 h 23 min
